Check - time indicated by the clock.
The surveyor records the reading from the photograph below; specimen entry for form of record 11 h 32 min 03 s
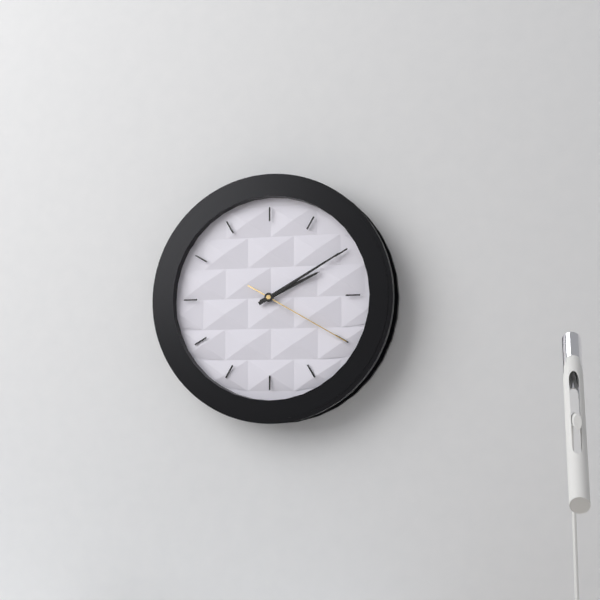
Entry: 2 h 10 min 20 s
